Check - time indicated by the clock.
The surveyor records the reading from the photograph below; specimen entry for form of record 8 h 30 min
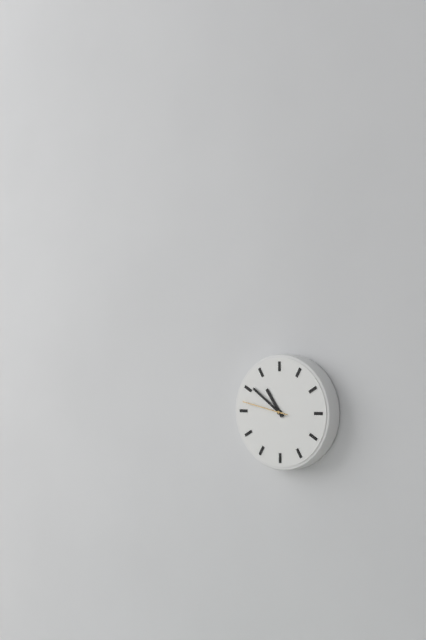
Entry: 10 h 51 min
